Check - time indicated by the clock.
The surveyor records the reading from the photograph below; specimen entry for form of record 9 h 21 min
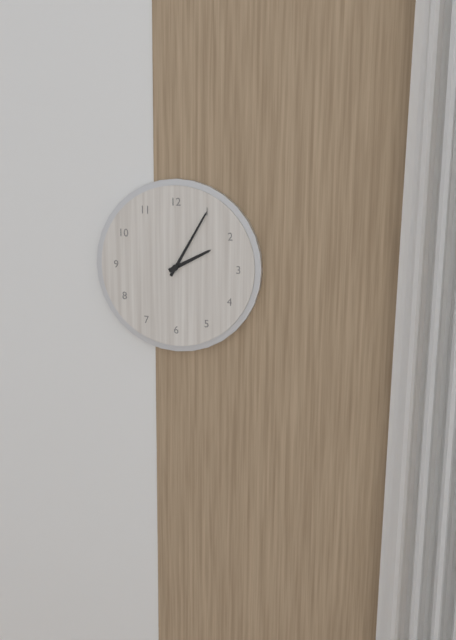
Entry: 2 h 05 min
